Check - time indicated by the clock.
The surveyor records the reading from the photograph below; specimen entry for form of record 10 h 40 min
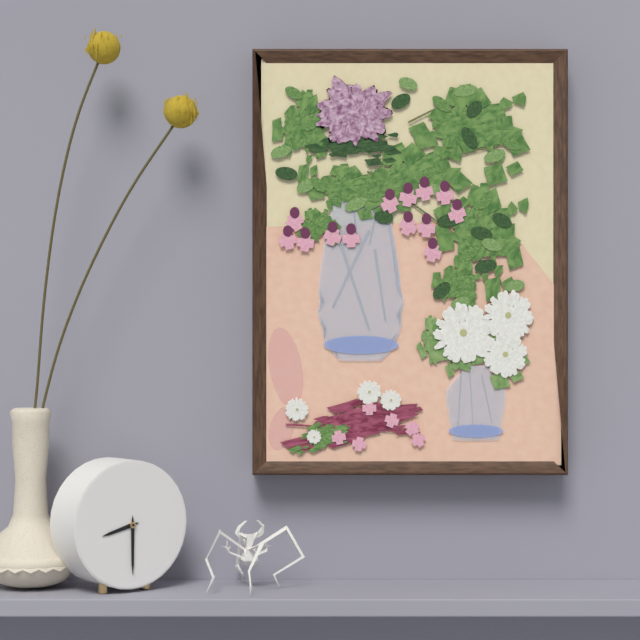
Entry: 8 h 30 min
